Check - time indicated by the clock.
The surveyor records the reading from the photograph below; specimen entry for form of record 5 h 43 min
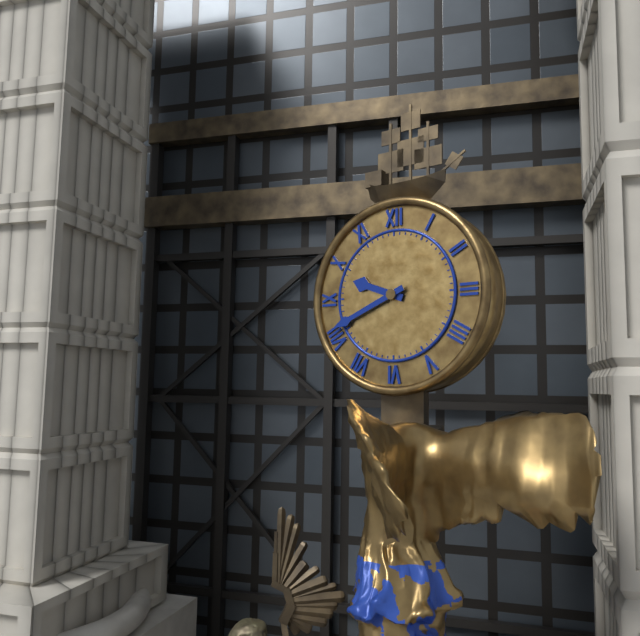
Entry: 9 h 41 min
